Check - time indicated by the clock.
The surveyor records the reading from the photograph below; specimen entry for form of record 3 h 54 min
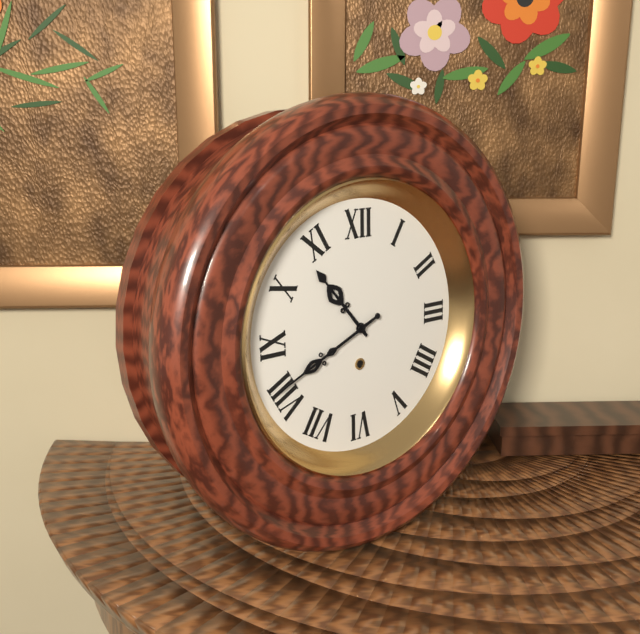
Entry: 10 h 41 min
